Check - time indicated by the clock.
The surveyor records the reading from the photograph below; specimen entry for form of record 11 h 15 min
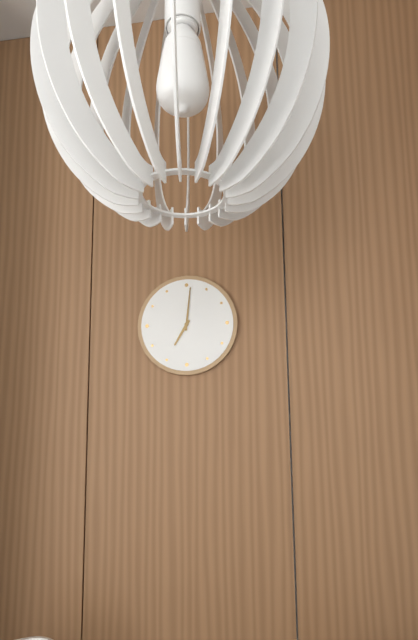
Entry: 7 h 01 min
